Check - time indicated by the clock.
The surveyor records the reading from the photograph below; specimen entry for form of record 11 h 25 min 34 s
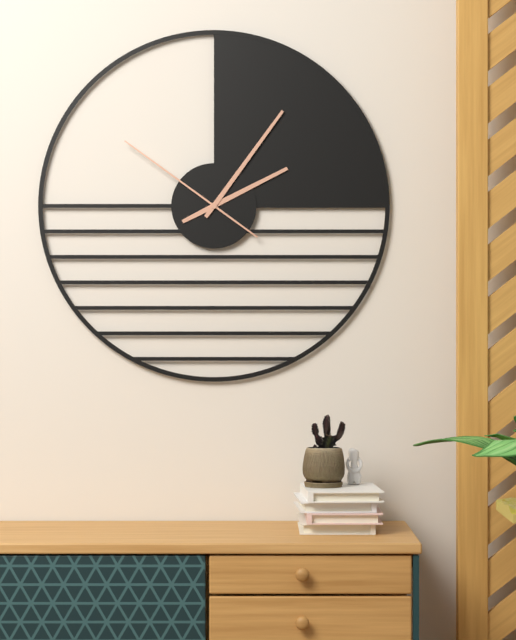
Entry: 2 h 06 min 51 s
